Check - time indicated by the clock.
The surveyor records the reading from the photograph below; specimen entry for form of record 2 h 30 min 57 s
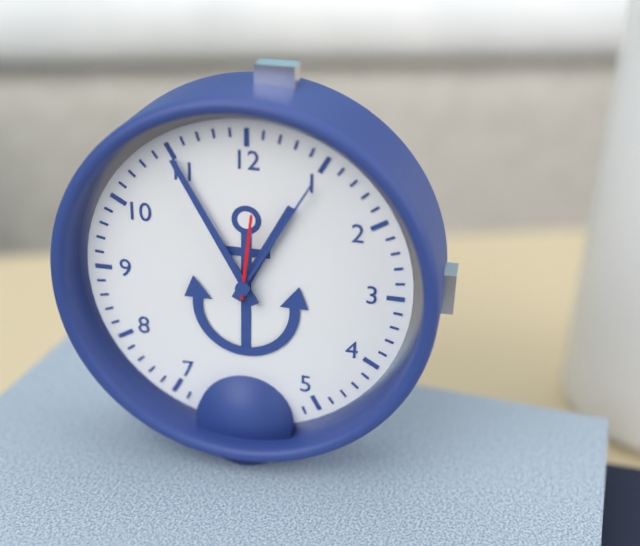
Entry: 12 h 55 min 01 s
